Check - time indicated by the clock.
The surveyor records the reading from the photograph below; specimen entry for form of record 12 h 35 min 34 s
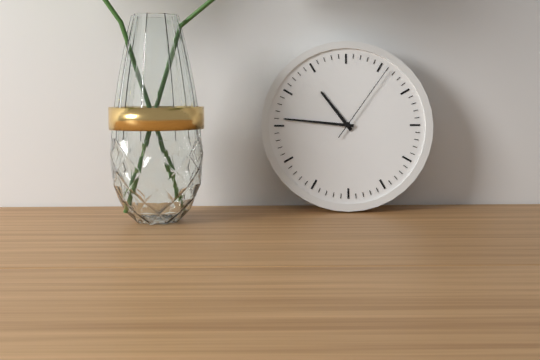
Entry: 10 h 46 min 06 s
